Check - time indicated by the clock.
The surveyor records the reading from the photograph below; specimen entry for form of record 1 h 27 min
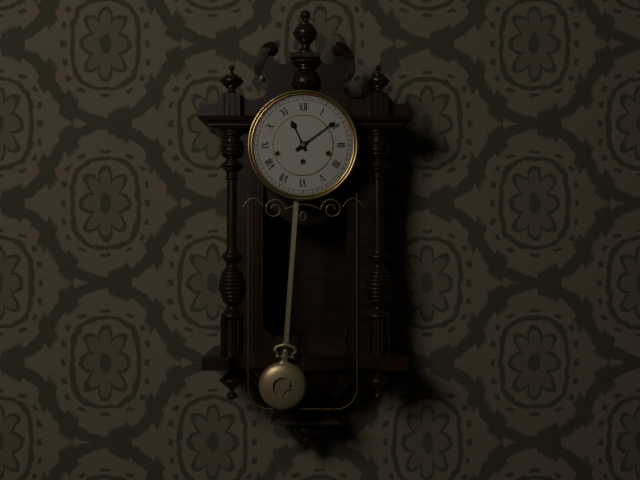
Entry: 11 h 09 min
